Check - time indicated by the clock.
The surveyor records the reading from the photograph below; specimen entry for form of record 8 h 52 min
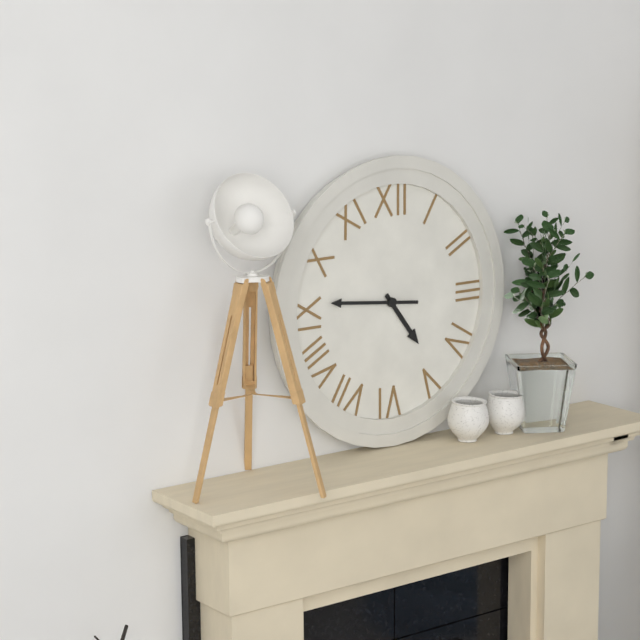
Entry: 4 h 46 min
